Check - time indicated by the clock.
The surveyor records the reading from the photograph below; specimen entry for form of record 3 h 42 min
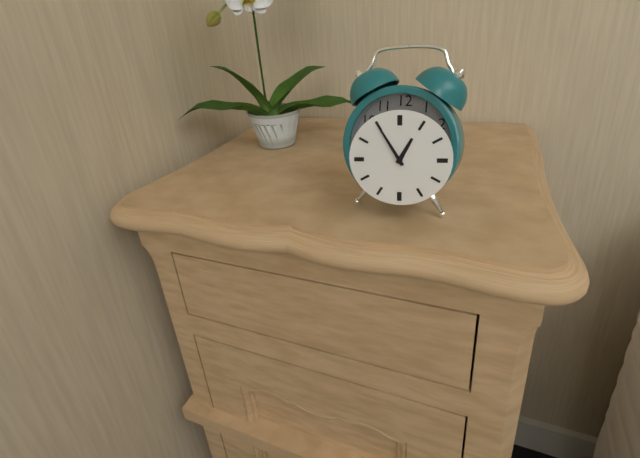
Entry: 12 h 55 min
